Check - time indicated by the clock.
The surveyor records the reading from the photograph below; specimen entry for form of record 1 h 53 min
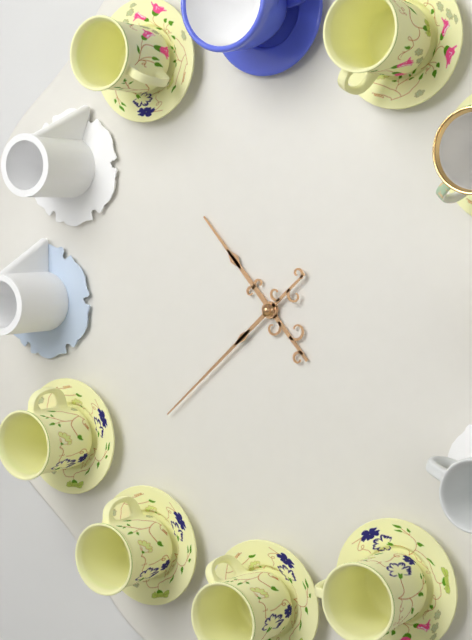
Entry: 10 h 38 min
